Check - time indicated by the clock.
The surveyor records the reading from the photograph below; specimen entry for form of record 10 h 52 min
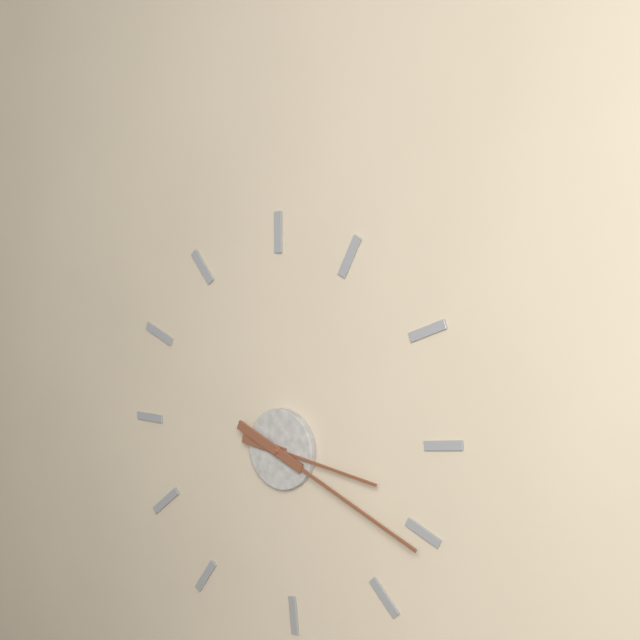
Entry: 3 h 19 min
